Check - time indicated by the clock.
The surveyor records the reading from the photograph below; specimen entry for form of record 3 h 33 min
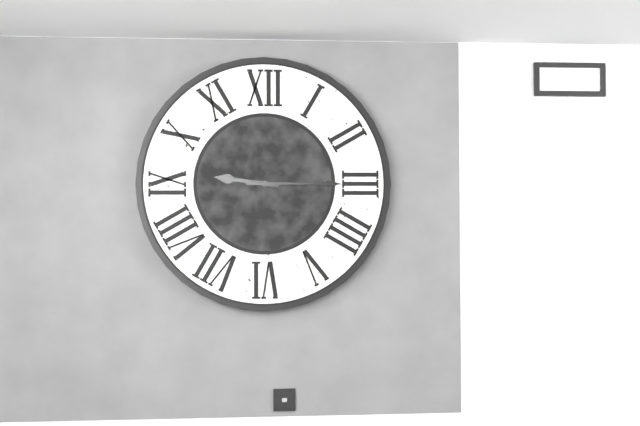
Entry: 9 h 15 min
